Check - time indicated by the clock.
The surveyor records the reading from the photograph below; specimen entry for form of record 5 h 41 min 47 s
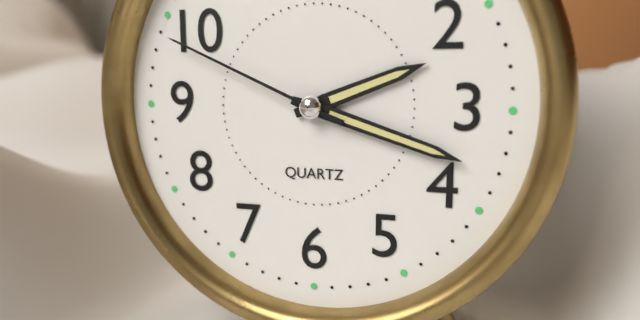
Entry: 2 h 18 min 49 s
